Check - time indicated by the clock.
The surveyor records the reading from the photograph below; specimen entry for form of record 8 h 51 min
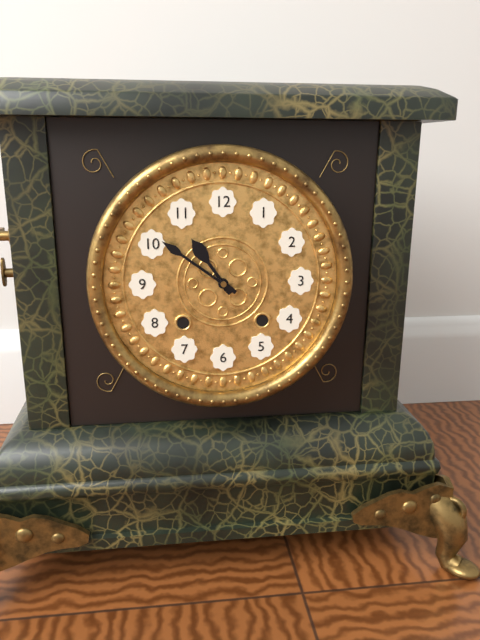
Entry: 10 h 51 min
